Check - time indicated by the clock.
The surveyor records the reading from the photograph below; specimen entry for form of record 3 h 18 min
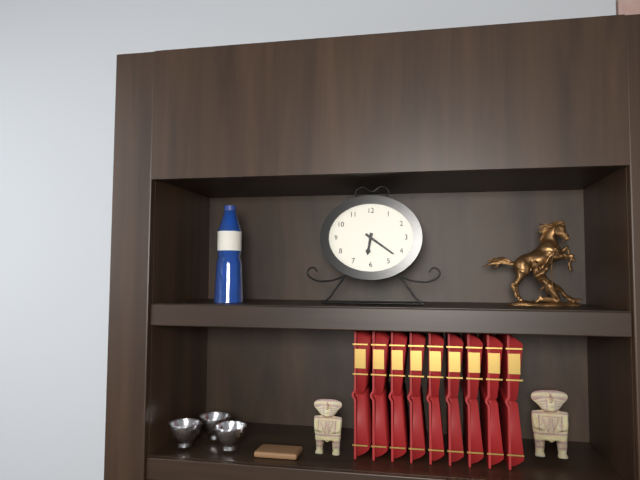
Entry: 6 h 21 min
